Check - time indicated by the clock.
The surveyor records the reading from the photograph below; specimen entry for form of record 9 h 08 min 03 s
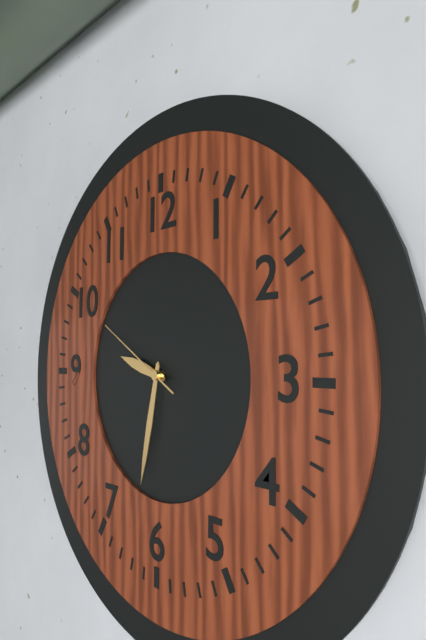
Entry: 9 h 32 min 50 s
